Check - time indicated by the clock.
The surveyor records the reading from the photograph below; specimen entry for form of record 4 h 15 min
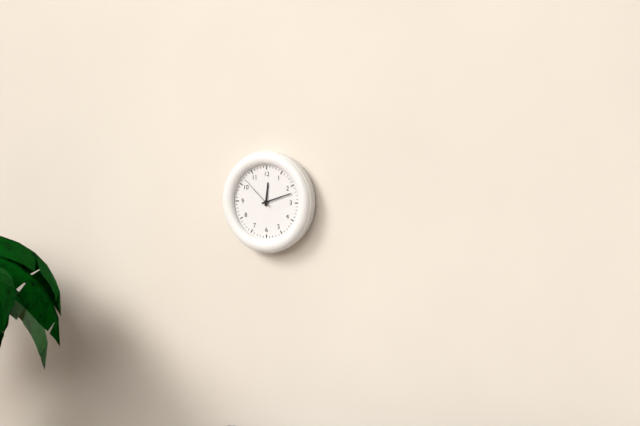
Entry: 12 h 12 min
